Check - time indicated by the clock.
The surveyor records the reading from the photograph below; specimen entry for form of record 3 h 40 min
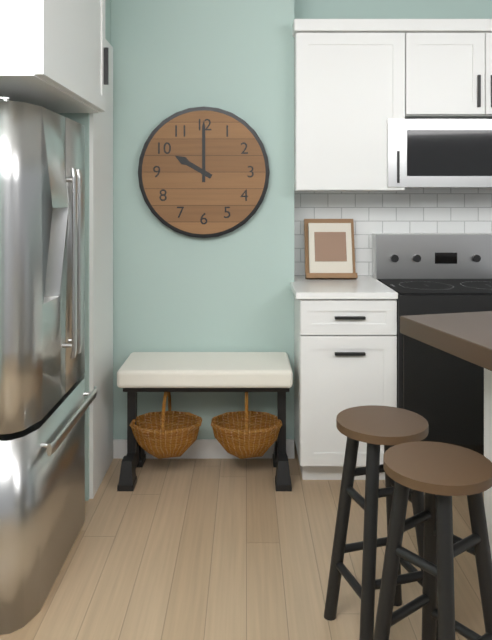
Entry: 10 h 00 min
